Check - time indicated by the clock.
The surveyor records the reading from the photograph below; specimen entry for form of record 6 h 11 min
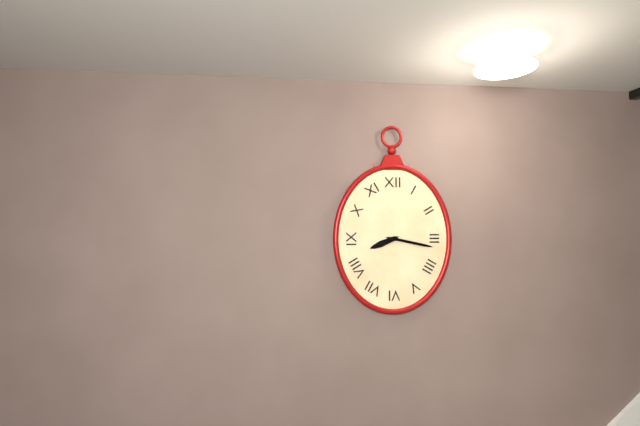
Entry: 8 h 17 min
